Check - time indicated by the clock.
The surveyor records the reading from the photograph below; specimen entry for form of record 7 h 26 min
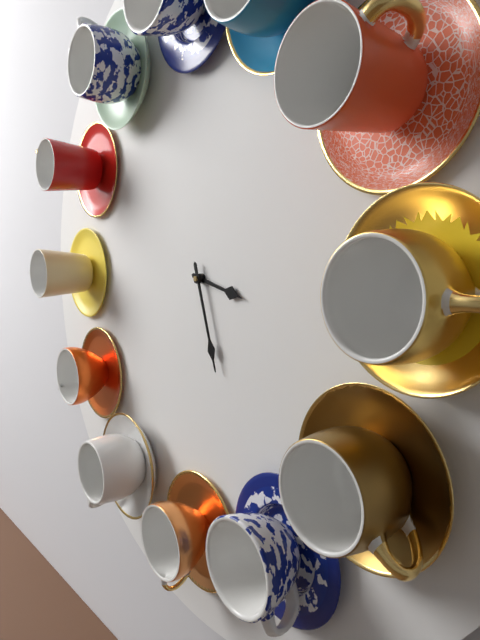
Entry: 3 h 27 min
